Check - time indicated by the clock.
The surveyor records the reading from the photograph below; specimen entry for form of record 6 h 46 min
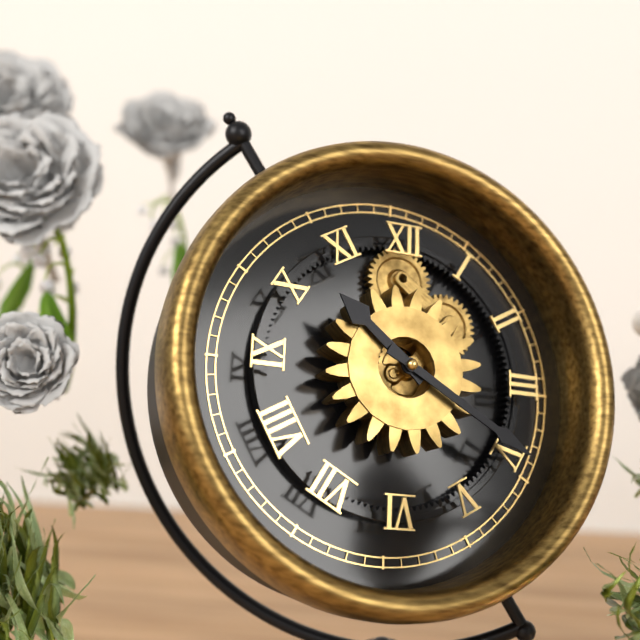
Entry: 10 h 20 min
